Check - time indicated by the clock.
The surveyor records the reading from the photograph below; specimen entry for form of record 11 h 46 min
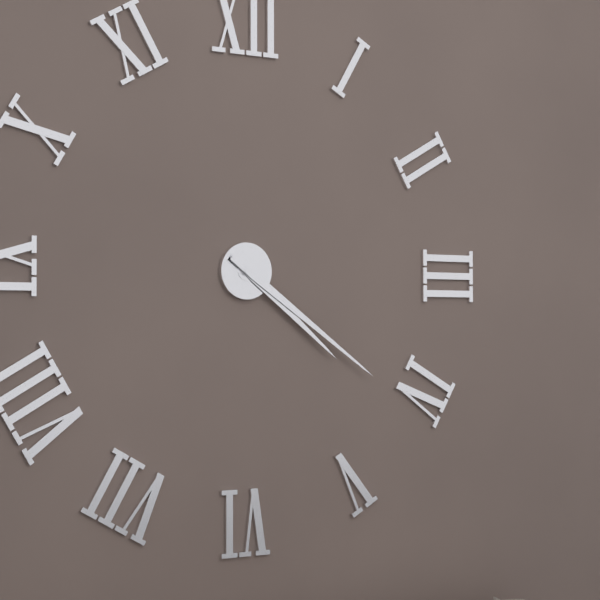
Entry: 4 h 21 min
